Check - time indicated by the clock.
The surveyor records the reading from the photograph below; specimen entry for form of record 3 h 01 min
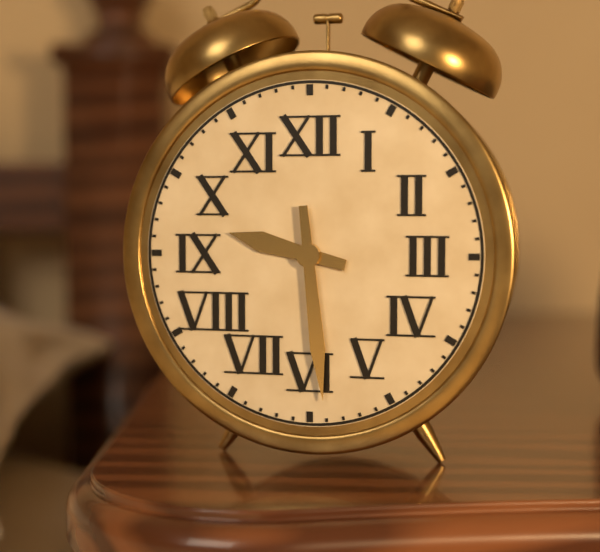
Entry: 9 h 29 min
